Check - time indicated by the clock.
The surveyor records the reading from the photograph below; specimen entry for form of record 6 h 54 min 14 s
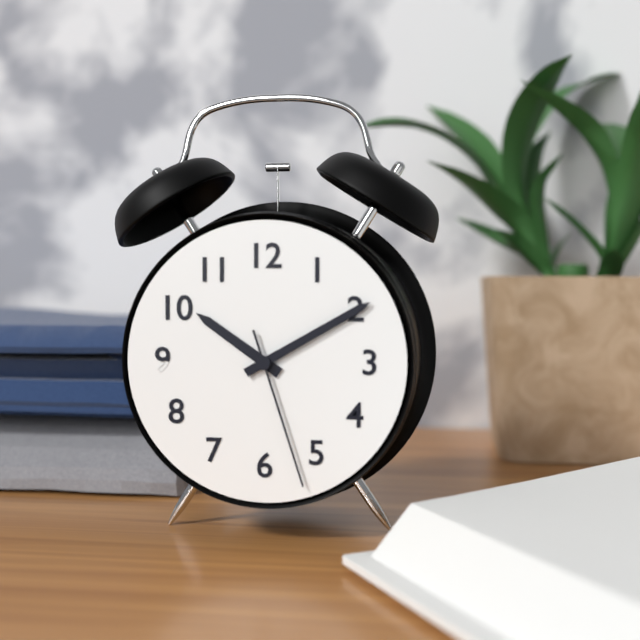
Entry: 10 h 10 min 27 s
